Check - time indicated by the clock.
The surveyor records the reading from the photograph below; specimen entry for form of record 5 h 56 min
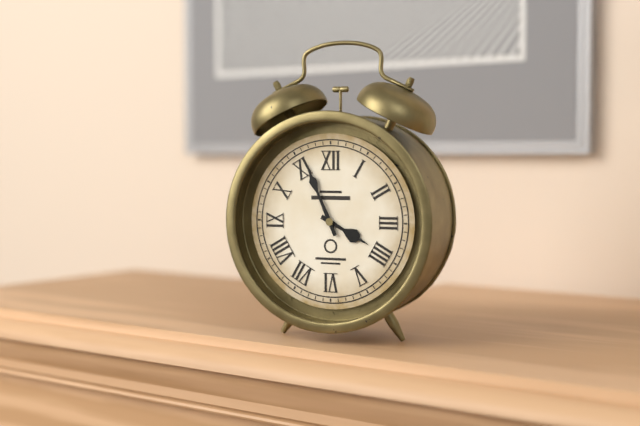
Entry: 3 h 56 min
